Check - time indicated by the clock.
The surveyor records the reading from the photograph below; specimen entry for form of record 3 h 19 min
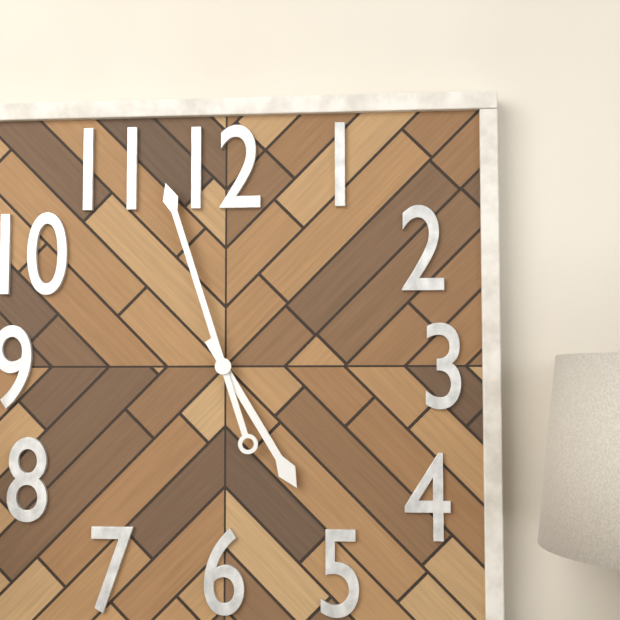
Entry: 4 h 57 min
